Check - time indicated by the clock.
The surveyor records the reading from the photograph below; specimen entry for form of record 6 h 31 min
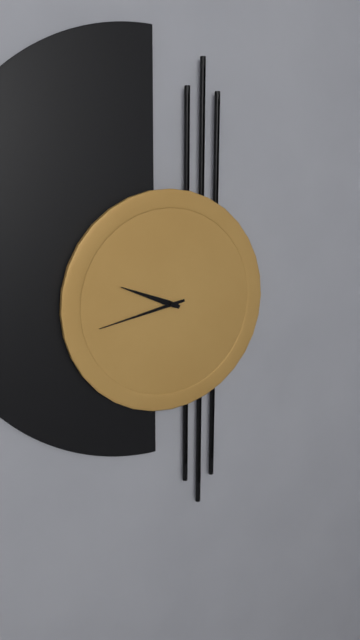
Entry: 9 h 43 min
